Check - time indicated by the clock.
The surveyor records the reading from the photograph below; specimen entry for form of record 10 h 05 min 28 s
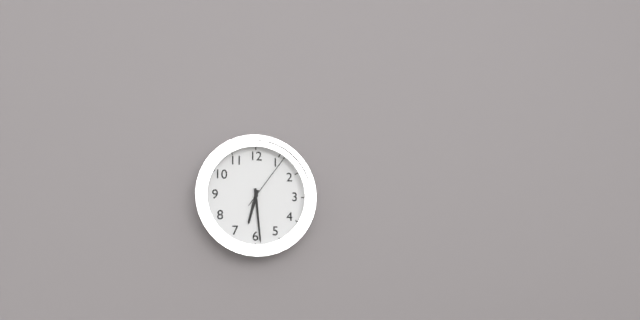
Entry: 6 h 29 min 06 s
